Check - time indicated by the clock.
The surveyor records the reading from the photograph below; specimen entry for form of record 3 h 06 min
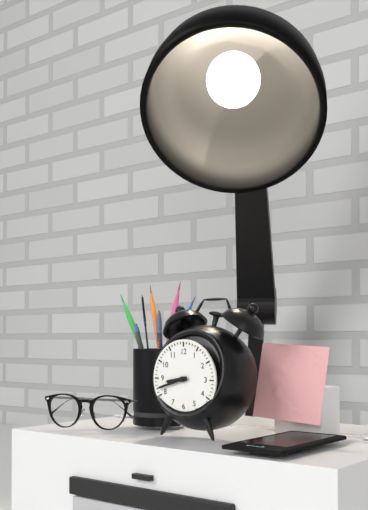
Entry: 8 h 42 min
